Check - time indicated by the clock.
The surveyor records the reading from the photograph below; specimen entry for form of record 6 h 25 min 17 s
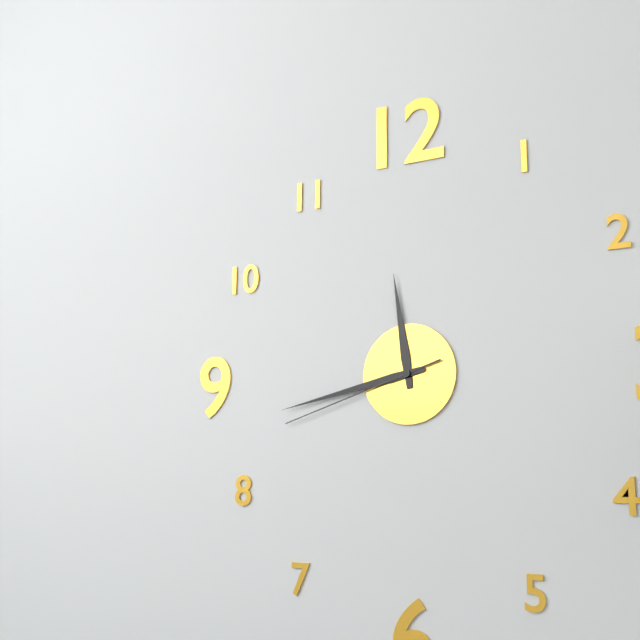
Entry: 11 h 43 min 42 s
